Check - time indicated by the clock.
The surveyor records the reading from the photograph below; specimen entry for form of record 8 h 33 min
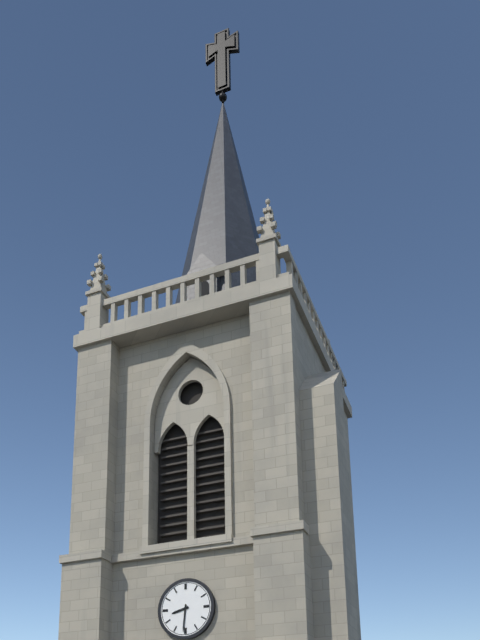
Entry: 8 h 31 min
